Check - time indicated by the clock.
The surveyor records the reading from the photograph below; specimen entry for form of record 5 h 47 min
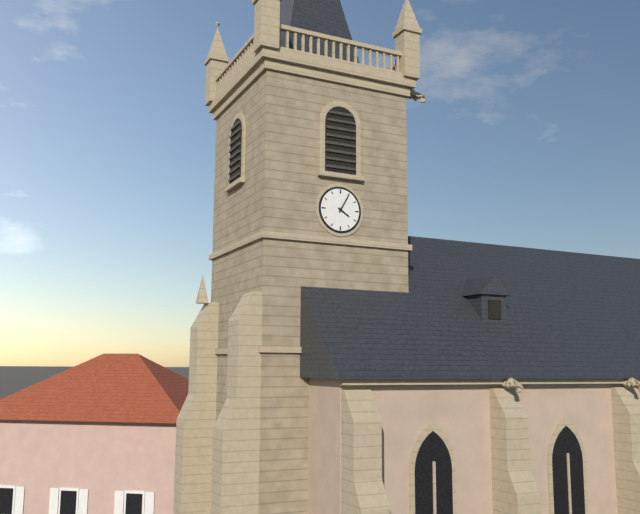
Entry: 4 h 05 min
